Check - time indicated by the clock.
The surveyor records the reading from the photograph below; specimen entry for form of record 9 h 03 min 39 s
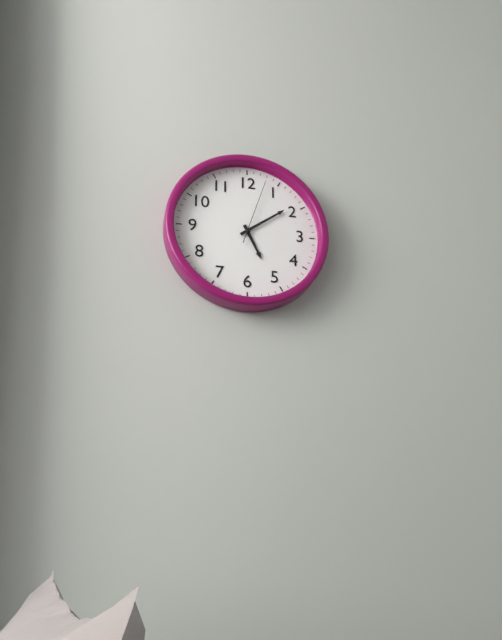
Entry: 5 h 09 min 03 s
